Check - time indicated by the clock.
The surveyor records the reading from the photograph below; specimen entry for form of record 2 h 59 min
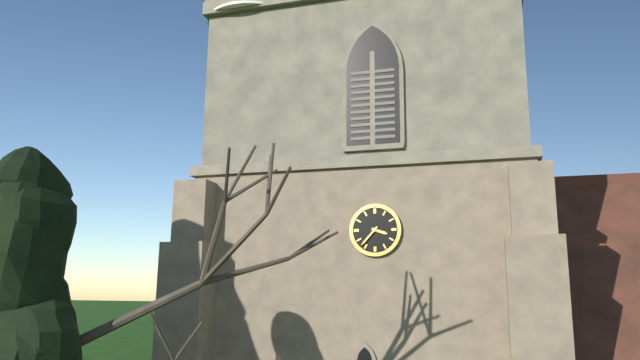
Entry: 3 h 37 min
